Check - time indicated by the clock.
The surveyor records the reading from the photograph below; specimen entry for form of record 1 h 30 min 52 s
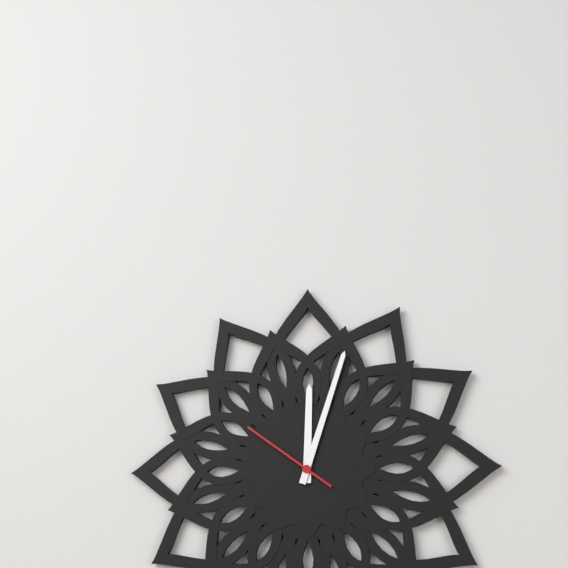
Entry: 12 h 03 min 51 s
